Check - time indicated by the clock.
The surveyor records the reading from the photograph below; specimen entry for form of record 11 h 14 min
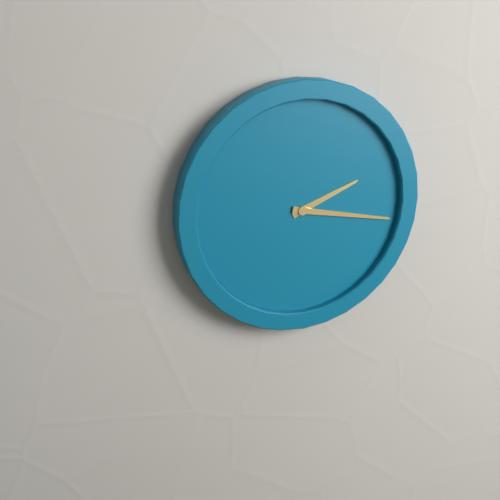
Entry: 2 h 17 min
